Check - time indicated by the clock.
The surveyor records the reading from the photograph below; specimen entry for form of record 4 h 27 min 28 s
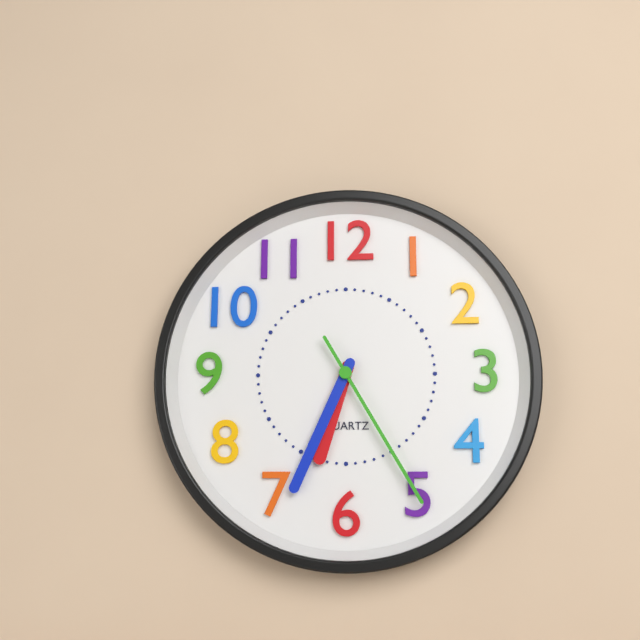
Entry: 6 h 34 min 25 s
